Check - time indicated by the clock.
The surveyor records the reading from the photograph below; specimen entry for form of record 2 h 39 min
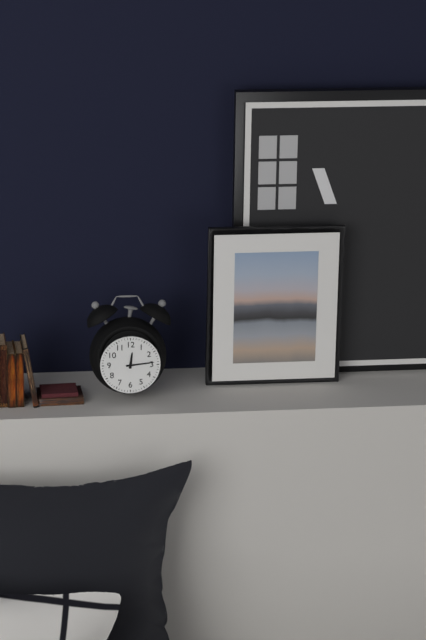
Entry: 12 h 14 min
